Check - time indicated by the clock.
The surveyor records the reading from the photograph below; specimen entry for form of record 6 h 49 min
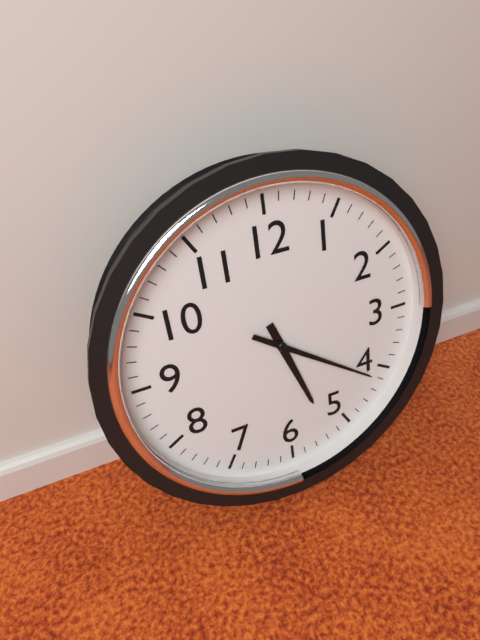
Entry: 5 h 21 min
